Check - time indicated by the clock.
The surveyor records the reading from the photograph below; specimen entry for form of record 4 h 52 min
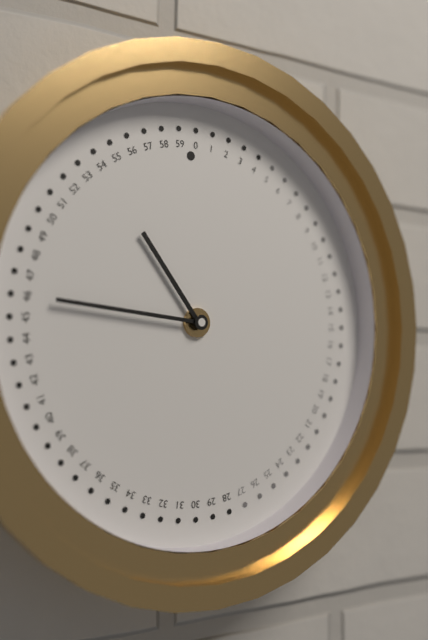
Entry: 10 h 46 min
